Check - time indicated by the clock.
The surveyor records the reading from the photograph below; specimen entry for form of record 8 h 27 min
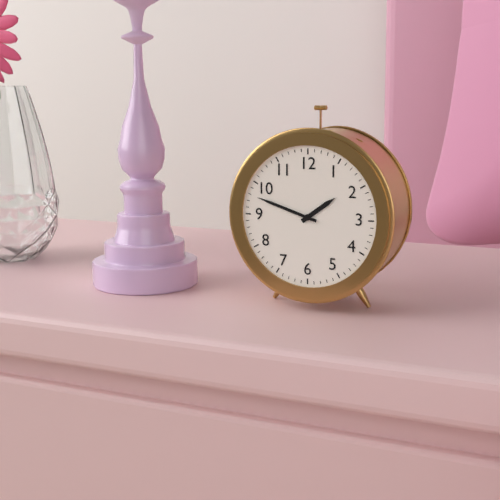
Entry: 1 h 48 min
